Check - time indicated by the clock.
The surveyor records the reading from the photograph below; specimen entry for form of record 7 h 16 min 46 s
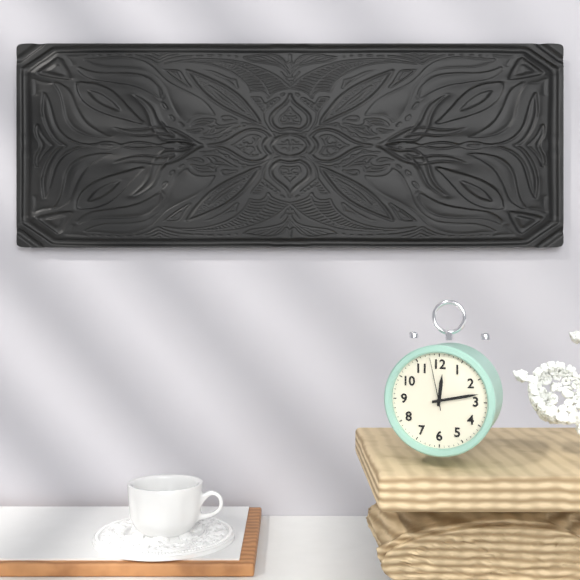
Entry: 12 h 13 min 58 s
